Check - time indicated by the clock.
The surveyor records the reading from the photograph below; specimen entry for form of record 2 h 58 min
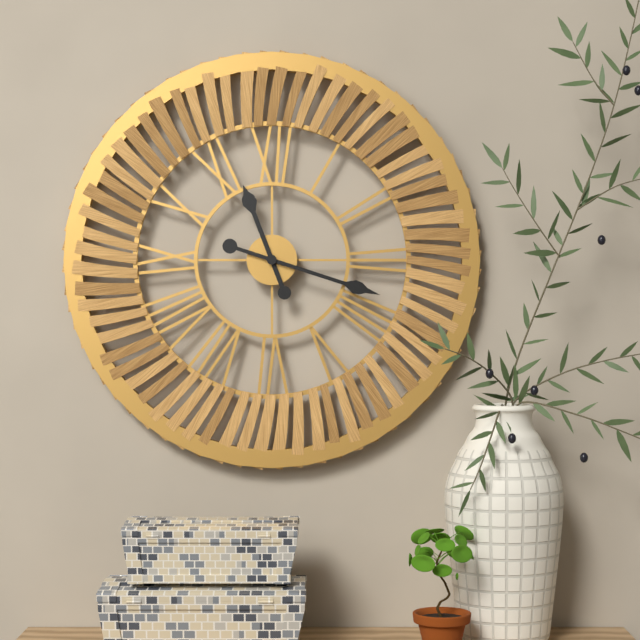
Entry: 11 h 18 min
